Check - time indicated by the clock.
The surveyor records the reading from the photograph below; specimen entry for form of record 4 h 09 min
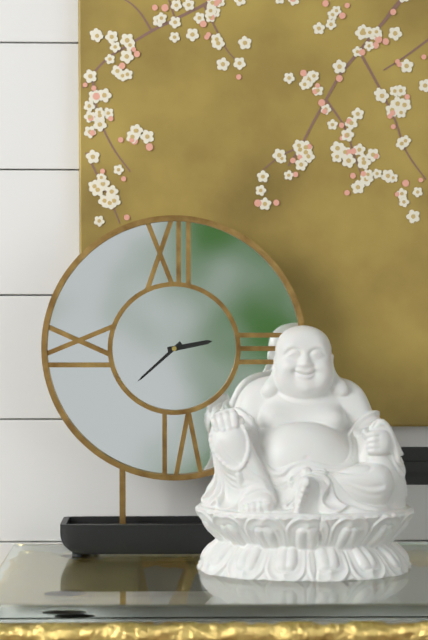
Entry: 2 h 38 min
